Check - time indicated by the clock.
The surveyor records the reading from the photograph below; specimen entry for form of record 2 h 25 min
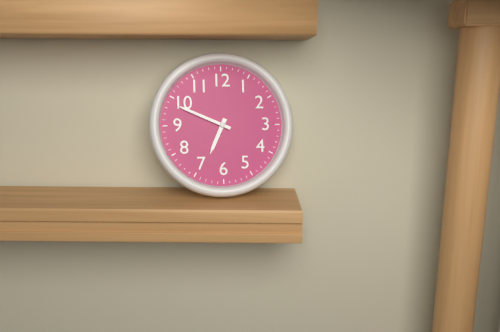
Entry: 6 h 49 min
